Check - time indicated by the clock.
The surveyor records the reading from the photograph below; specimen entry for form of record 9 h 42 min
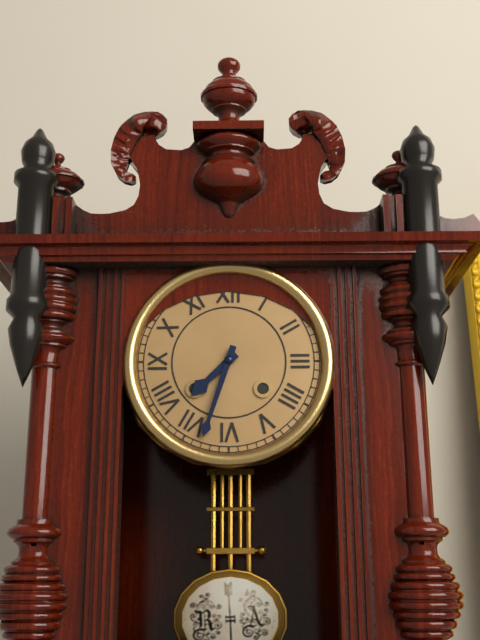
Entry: 7 h 33 min
